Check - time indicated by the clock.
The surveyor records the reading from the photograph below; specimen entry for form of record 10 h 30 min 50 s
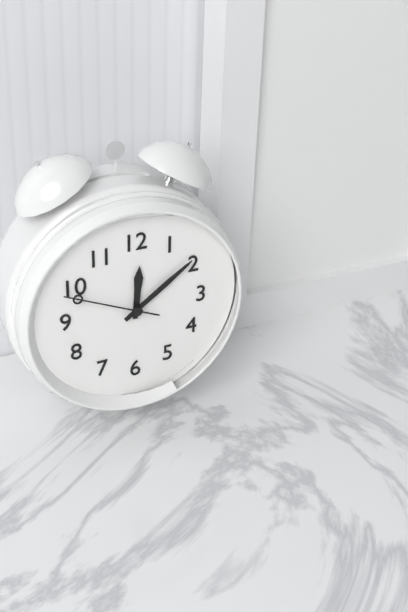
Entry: 12 h 09 min 49 s
